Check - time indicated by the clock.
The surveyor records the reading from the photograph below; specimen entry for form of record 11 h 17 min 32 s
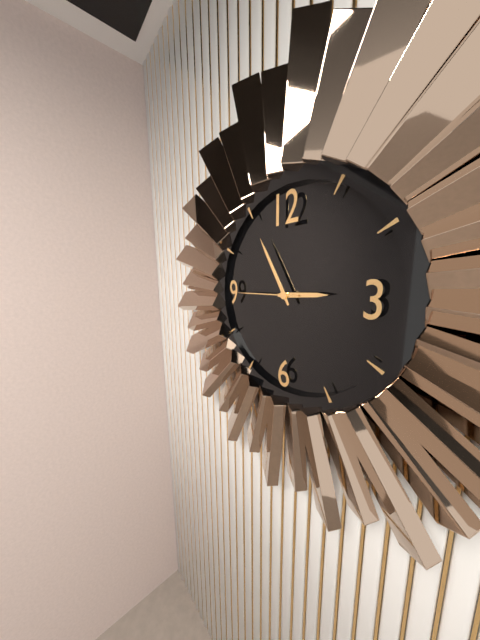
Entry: 2 h 55 min 45 s
